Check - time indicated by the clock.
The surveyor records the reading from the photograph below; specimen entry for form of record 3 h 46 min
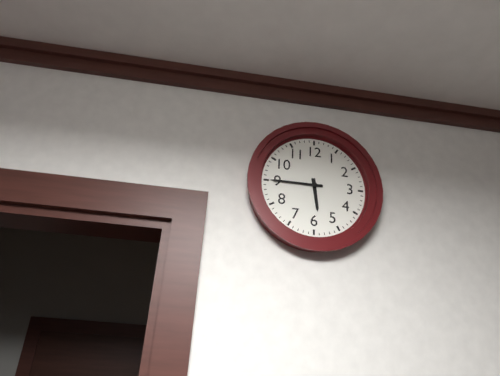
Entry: 5 h 45 min
